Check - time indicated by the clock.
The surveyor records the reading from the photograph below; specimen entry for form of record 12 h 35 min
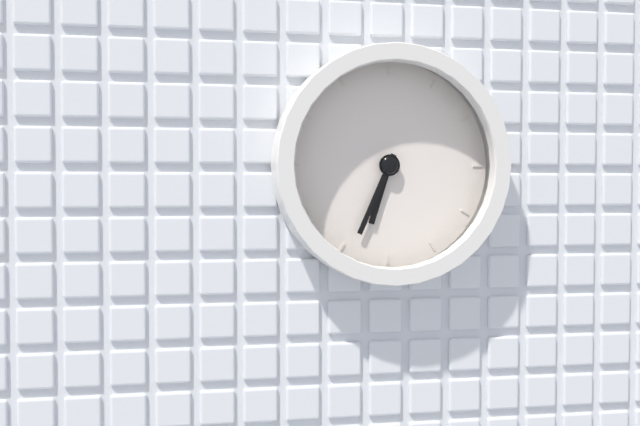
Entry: 6 h 34 min
